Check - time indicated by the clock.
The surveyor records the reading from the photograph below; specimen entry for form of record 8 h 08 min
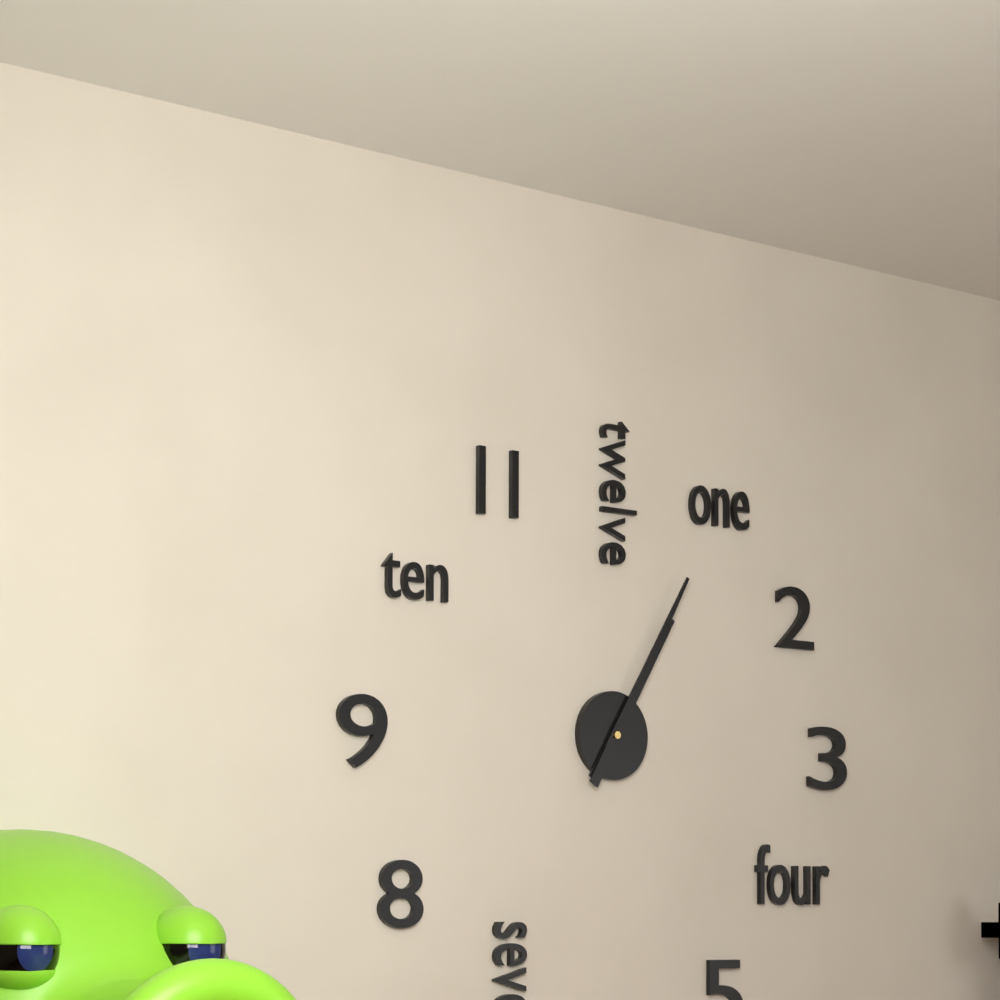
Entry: 1 h 05 min
